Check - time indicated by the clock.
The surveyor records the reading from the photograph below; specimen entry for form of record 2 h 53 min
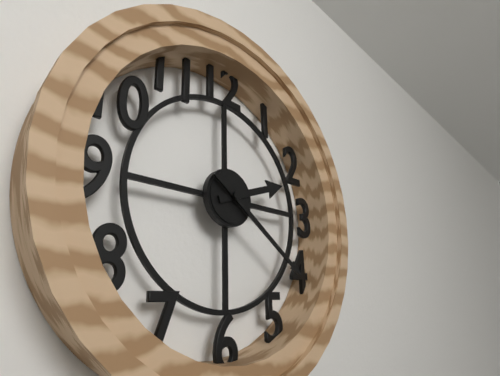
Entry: 2 h 21 min
